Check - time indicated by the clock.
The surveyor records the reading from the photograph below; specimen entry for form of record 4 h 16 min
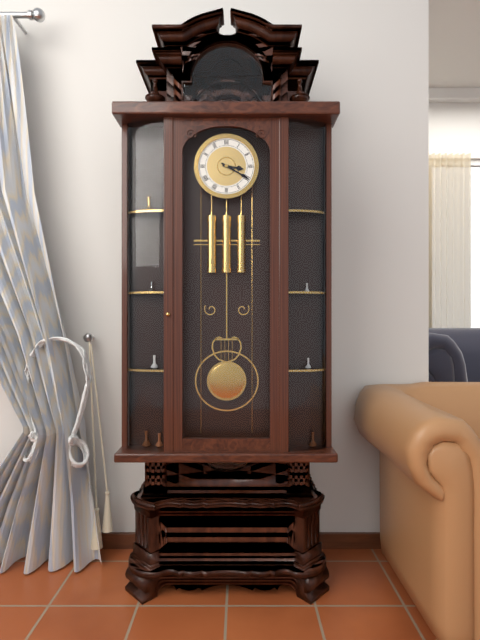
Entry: 3 h 20 min
